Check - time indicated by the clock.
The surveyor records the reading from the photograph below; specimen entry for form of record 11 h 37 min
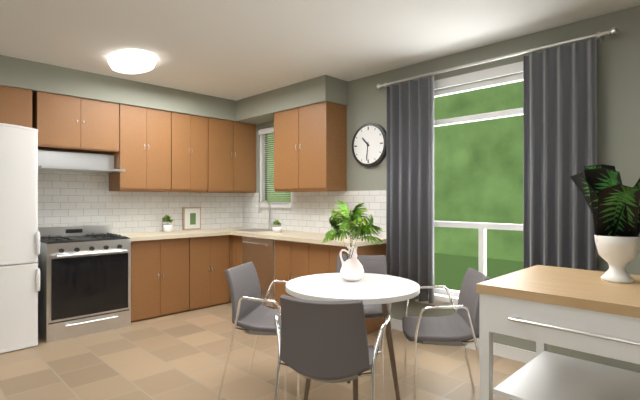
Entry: 10 h 31 min
